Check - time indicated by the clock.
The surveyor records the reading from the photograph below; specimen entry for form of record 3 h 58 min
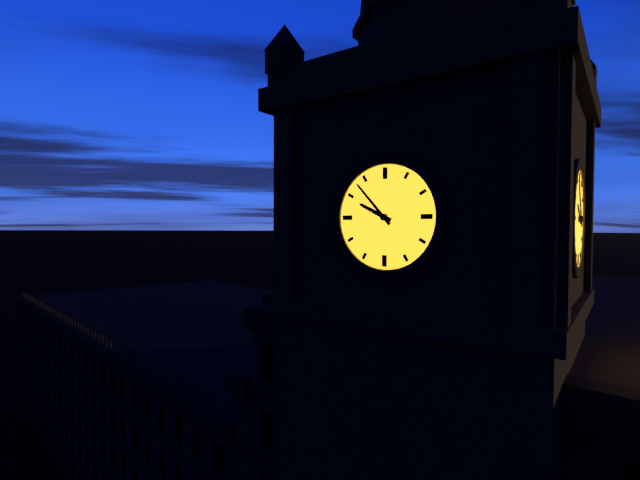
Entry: 9 h 53 min
